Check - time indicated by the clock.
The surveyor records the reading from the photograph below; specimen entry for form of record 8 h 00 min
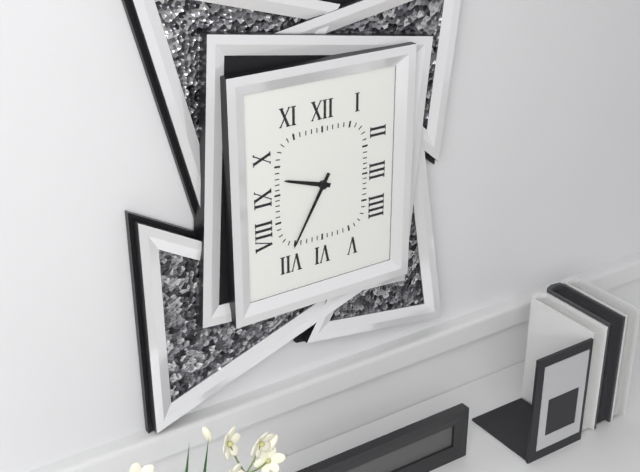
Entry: 9 h 35 min
